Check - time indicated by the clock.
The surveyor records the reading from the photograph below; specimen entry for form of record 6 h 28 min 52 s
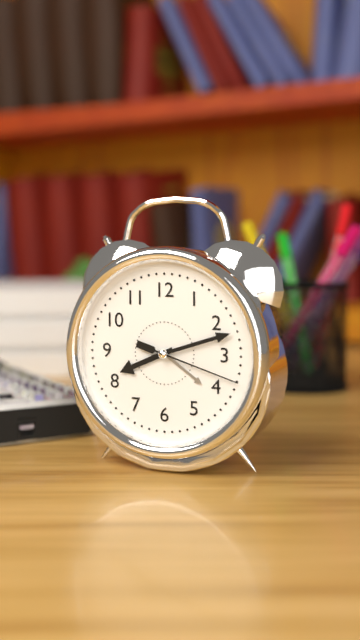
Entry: 8 h 12 min 18 s
